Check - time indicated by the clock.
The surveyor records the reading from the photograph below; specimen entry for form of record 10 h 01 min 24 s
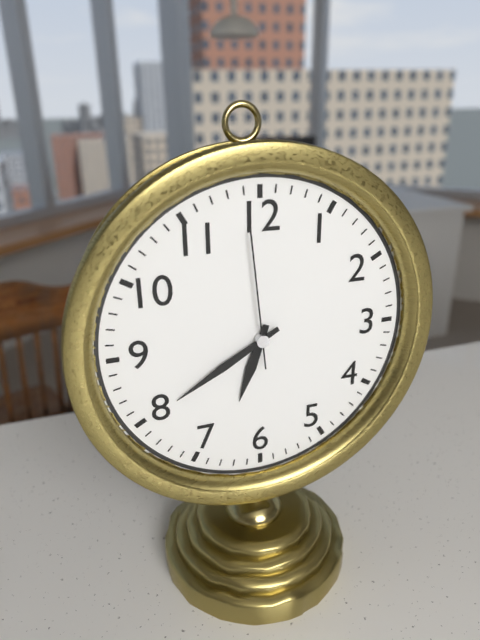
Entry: 6 h 40 min 59 s
